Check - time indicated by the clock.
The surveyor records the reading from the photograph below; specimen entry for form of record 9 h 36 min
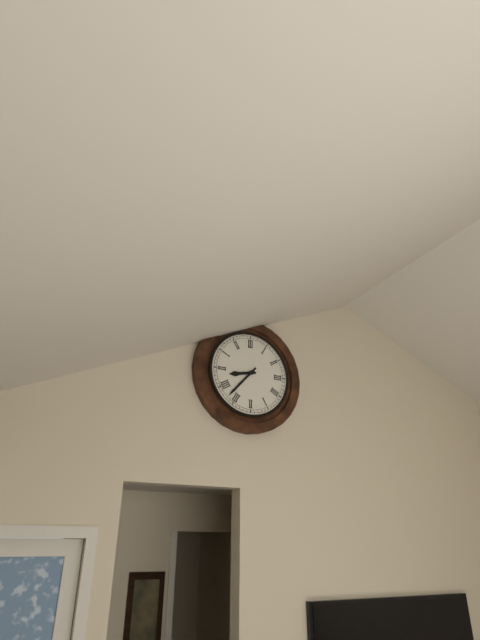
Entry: 8 h 37 min
